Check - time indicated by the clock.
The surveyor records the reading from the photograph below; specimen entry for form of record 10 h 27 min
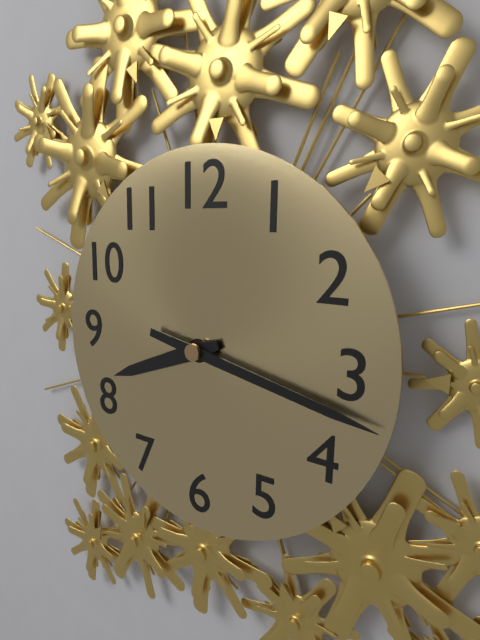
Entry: 8 h 17 min
